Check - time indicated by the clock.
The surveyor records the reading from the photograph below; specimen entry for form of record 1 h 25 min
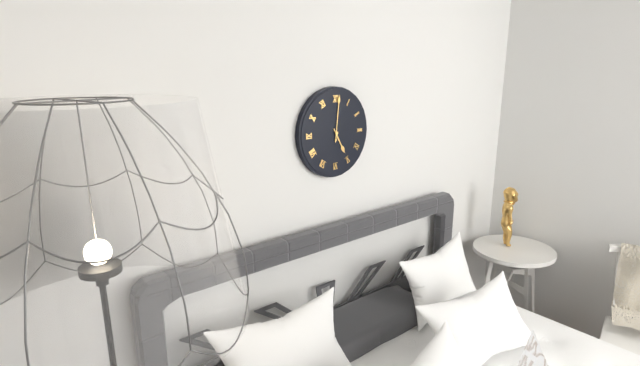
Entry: 5 h 01 min
